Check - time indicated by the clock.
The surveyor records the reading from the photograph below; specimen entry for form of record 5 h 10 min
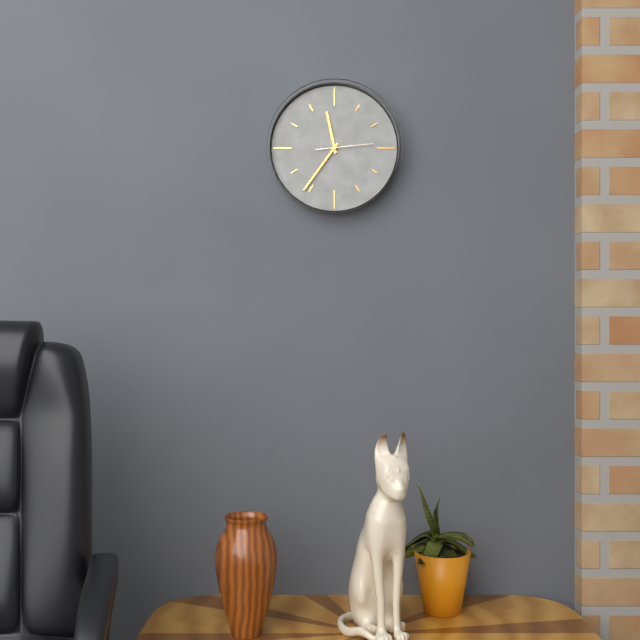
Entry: 11 h 36 min
